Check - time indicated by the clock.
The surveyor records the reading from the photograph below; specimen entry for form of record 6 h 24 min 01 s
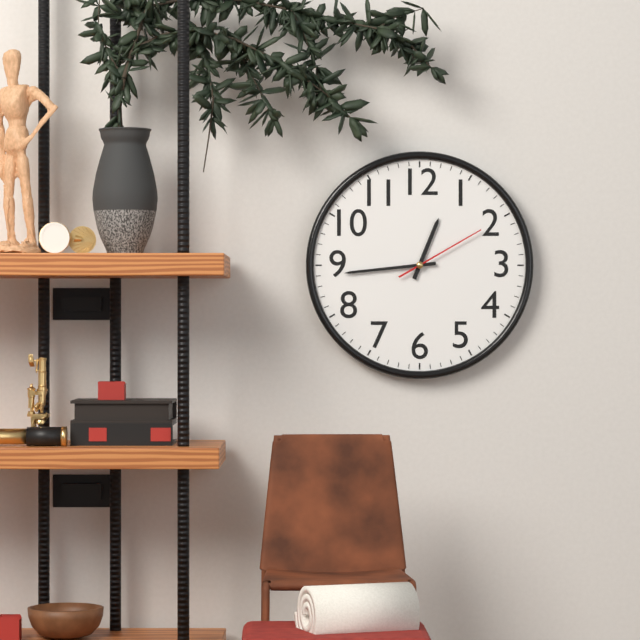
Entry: 12 h 44 min 10 s
